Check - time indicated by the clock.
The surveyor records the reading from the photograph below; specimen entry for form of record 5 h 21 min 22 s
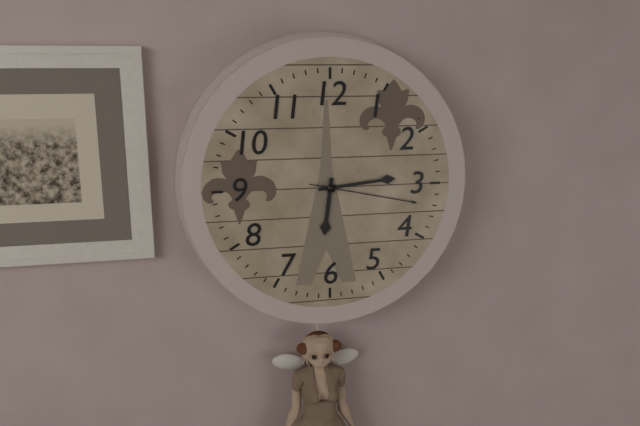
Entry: 6 h 14 min 17 s
